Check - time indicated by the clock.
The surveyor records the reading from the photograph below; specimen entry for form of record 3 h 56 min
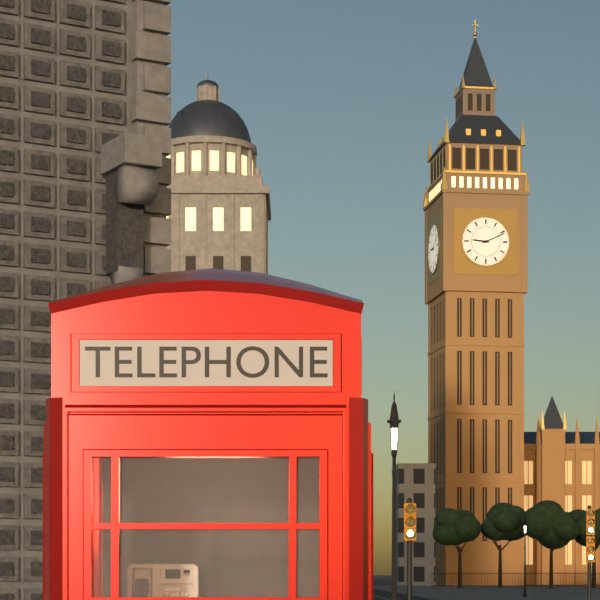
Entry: 9 h 11 min
